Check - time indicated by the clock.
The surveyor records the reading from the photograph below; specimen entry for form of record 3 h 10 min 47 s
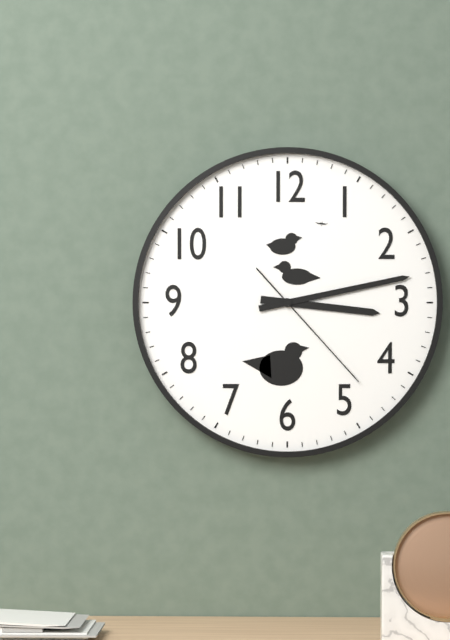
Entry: 3 h 13 min 23 s
